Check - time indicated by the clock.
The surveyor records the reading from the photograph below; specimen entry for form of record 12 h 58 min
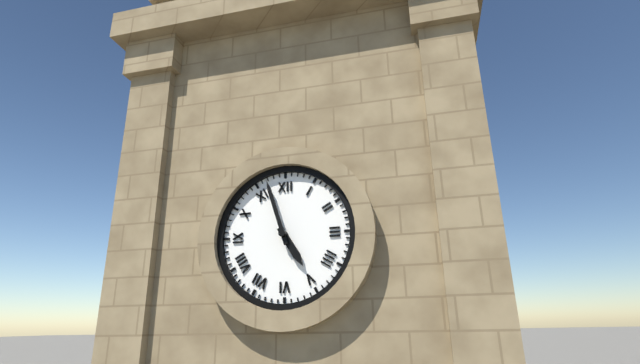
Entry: 4 h 57 min
